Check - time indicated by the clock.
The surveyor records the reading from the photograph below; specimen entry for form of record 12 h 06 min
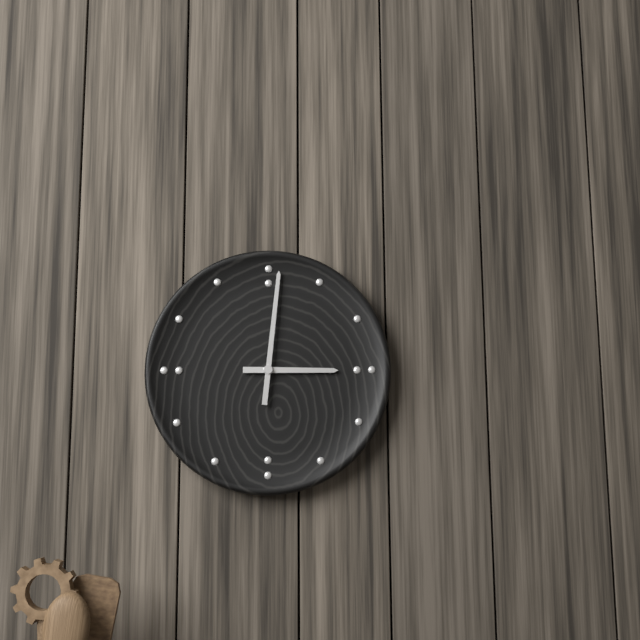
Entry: 3 h 01 min
